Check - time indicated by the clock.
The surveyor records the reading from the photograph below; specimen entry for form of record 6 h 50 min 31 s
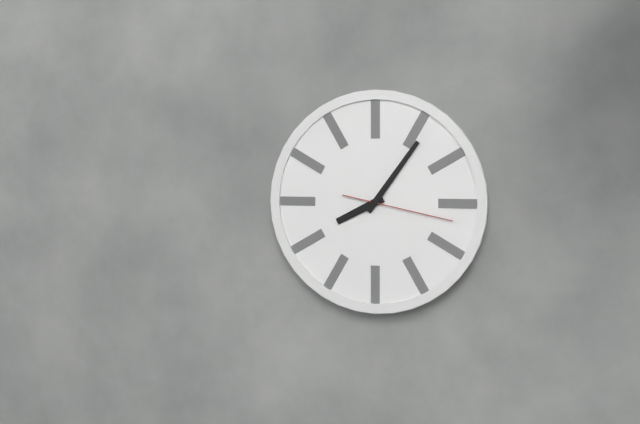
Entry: 8 h 06 min 17 s
